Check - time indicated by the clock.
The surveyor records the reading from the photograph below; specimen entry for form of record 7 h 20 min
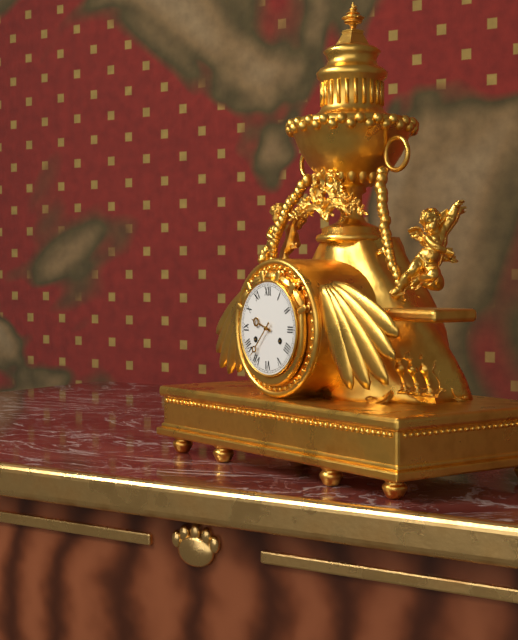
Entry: 9 h 37 min
